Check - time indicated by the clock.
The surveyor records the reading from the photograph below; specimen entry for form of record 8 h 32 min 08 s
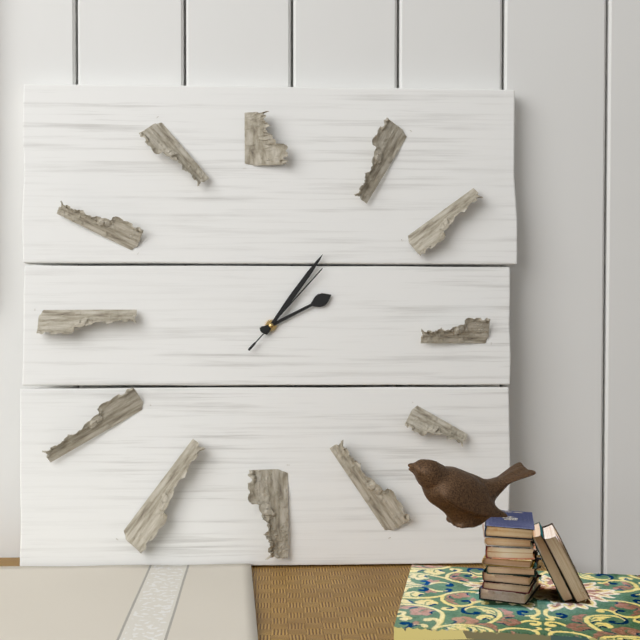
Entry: 2 h 06 min 07 s
